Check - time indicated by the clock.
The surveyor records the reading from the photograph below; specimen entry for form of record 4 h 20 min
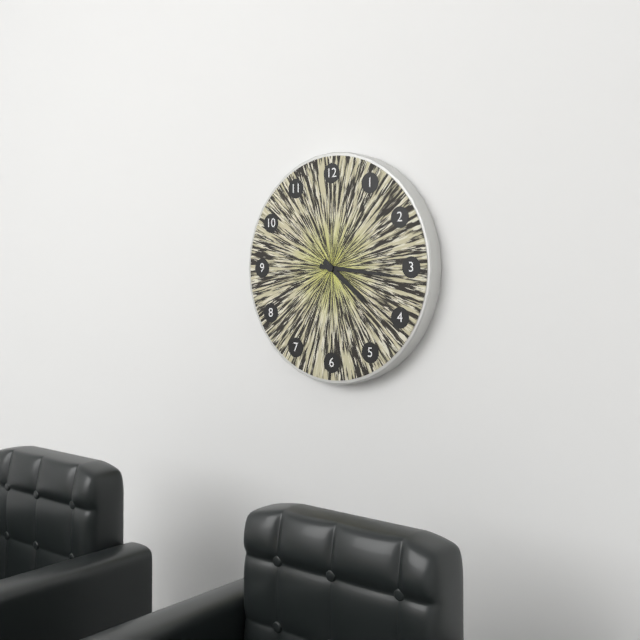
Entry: 4 h 16 min
